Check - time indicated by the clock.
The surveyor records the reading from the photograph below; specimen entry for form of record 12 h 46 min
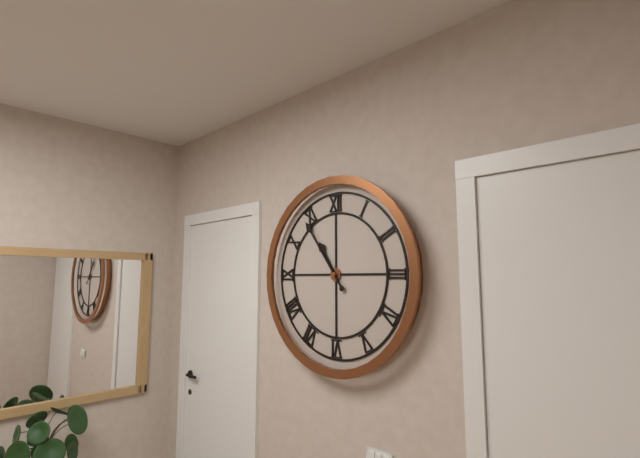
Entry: 10 h 54 min
